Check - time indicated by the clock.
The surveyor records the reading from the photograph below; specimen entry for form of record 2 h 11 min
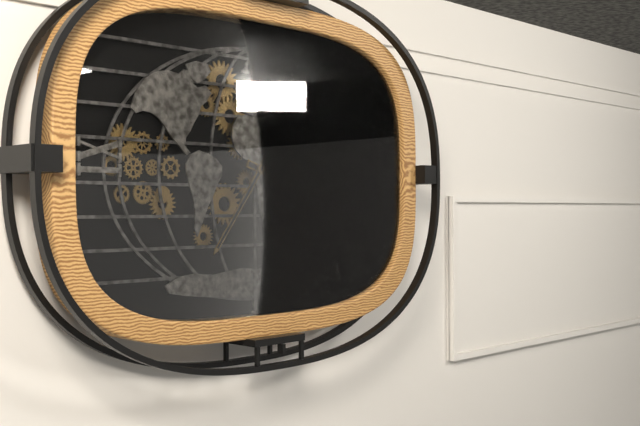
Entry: 3 h 36 min
